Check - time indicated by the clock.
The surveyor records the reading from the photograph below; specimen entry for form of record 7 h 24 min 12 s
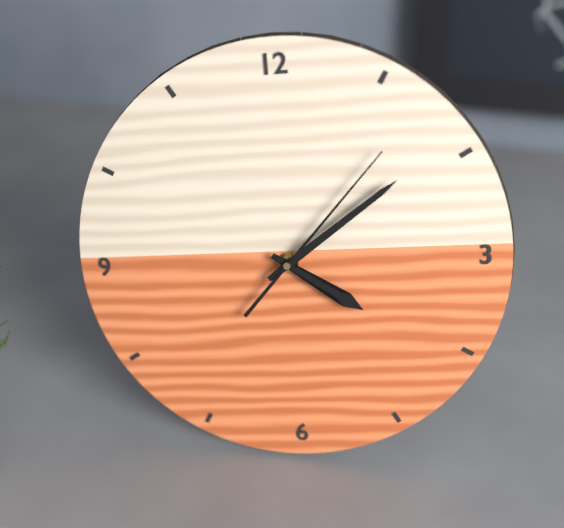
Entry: 4 h 09 min 07 s
